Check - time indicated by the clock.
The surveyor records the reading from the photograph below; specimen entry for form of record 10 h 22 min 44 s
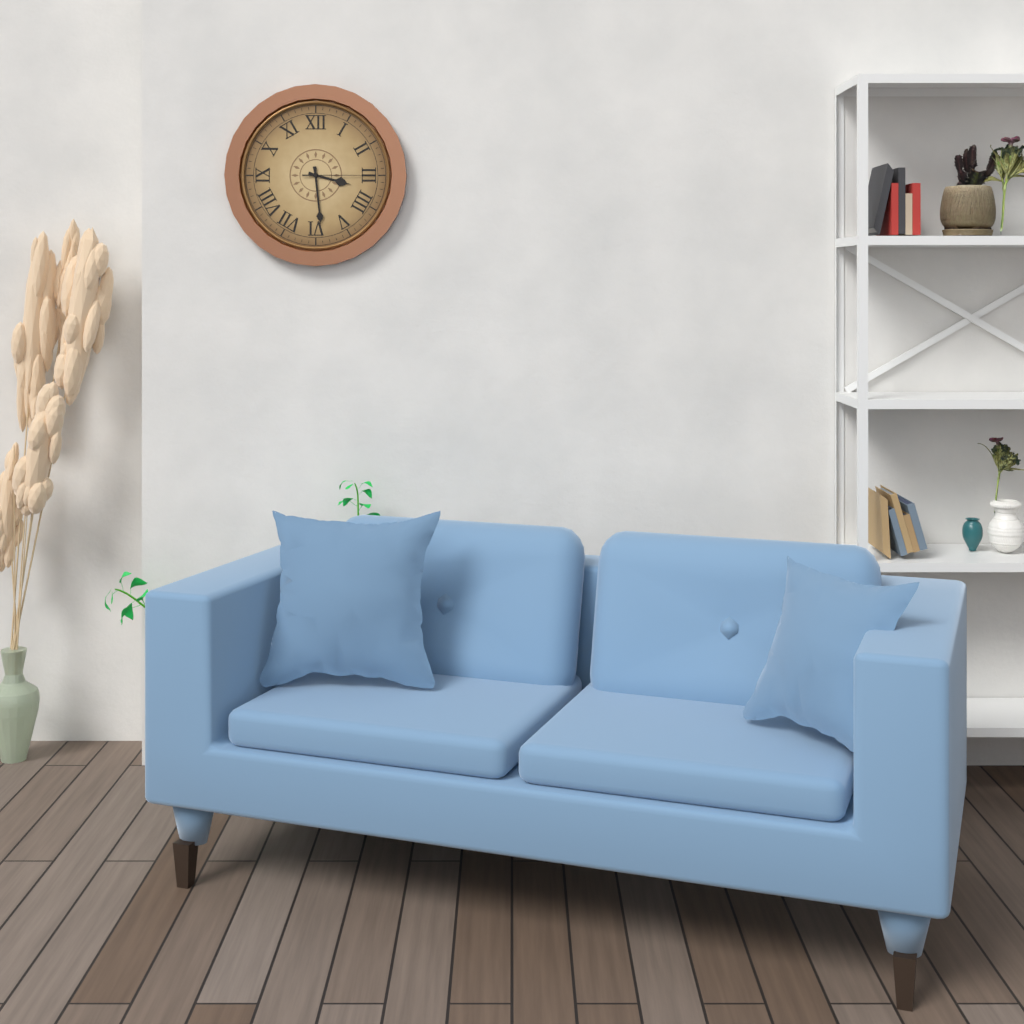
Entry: 3 h 29 min 15 s
